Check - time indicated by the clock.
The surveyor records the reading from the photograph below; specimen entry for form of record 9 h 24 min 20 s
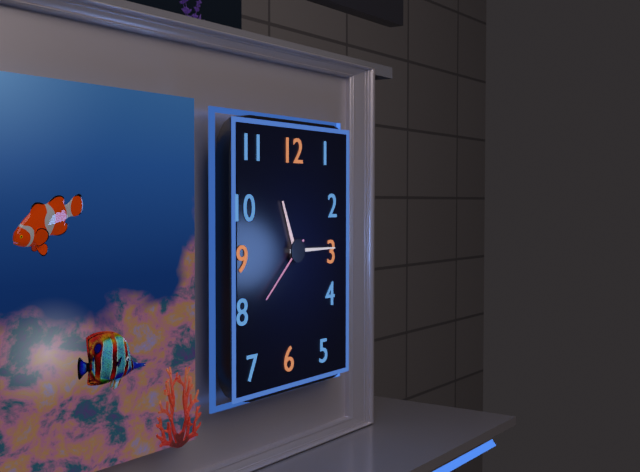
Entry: 11 h 15 min 38 s
